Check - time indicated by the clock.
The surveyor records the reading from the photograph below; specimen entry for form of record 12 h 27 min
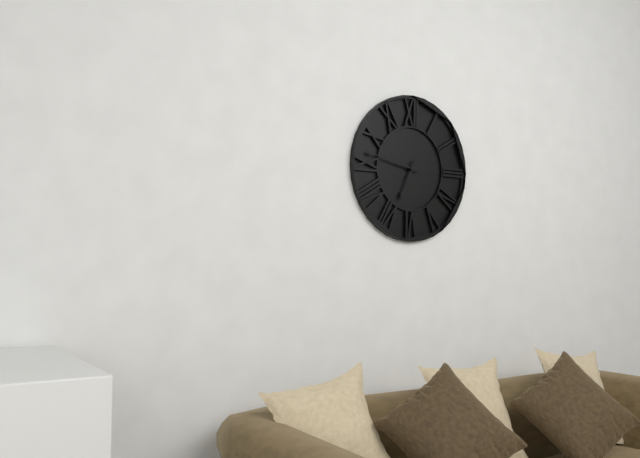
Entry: 6 h 47 min
